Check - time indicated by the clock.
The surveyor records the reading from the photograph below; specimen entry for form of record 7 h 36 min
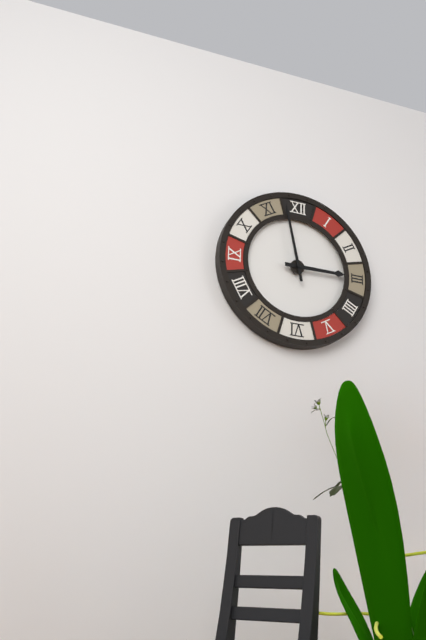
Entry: 2 h 58 min
